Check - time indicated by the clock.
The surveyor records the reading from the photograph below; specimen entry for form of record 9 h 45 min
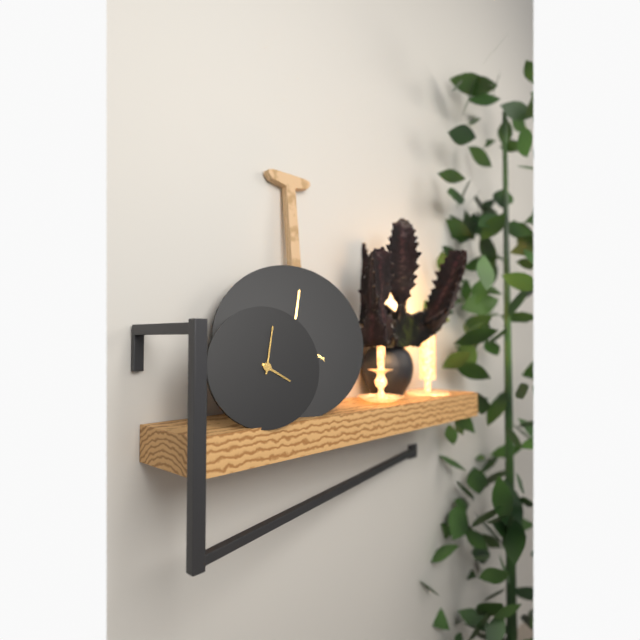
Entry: 4 h 02 min
